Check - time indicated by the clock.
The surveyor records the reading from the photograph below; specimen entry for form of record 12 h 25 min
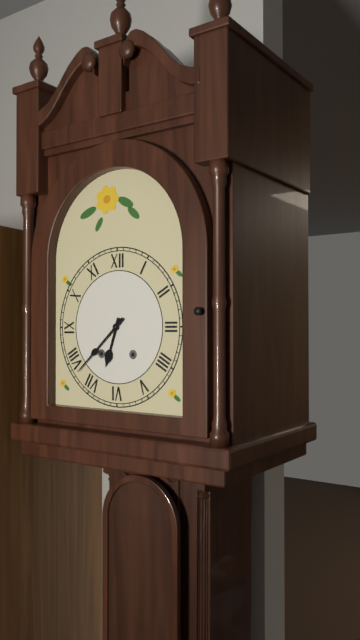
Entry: 6 h 38 min
